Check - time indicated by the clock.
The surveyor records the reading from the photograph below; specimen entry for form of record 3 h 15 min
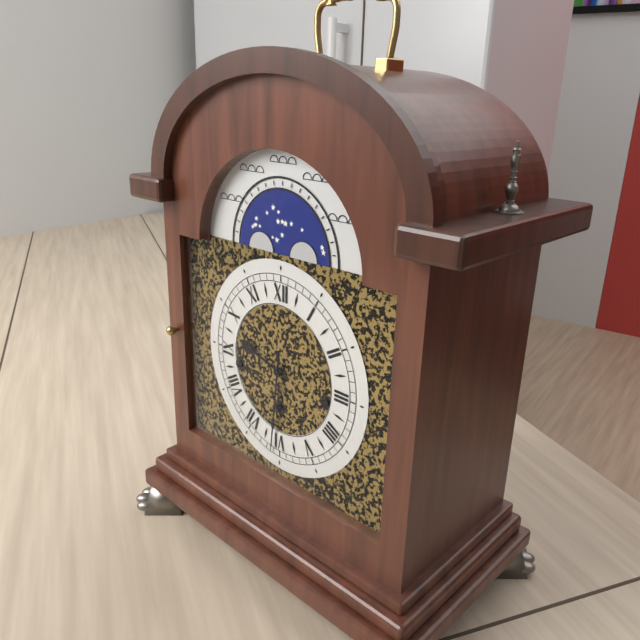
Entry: 9 h 31 min
